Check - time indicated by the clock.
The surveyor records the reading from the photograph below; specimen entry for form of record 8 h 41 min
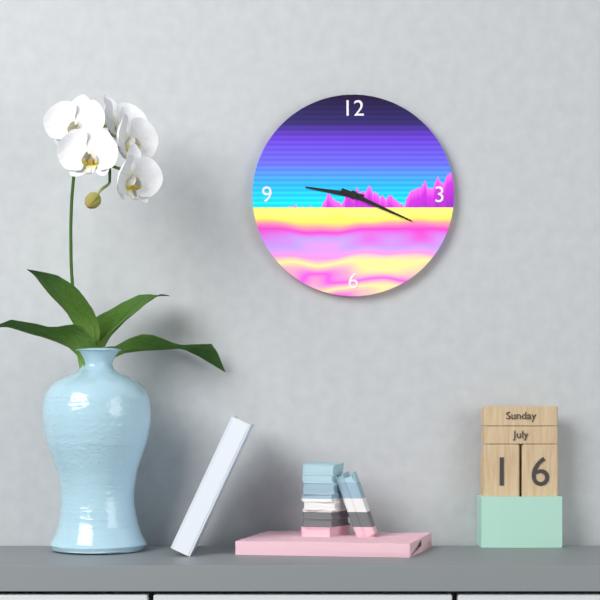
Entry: 9 h 19 min
